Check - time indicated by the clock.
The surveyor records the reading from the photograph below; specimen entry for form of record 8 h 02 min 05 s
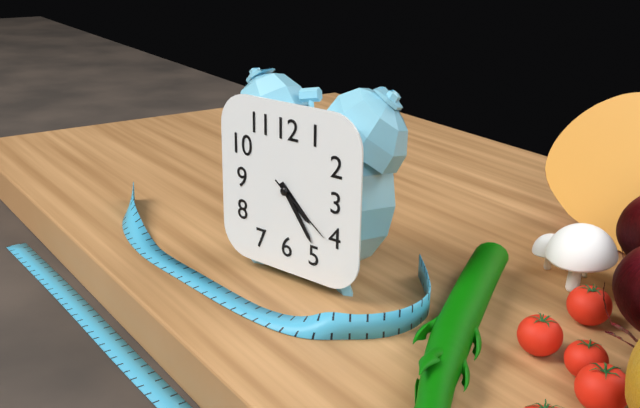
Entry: 4 h 24 min 21 s
